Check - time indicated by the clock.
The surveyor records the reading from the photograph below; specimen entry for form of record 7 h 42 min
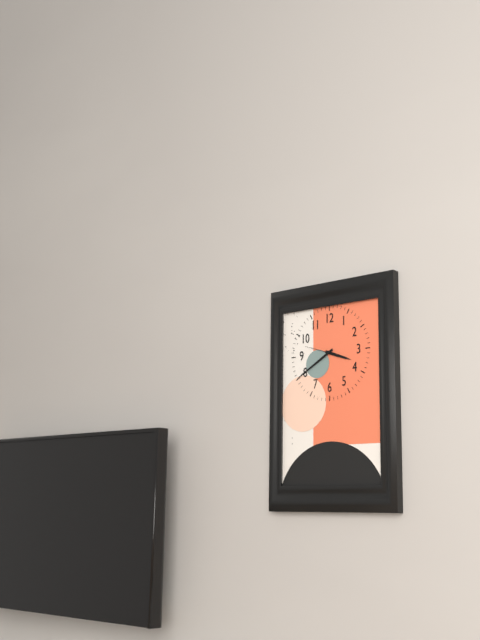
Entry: 3 h 40 min
